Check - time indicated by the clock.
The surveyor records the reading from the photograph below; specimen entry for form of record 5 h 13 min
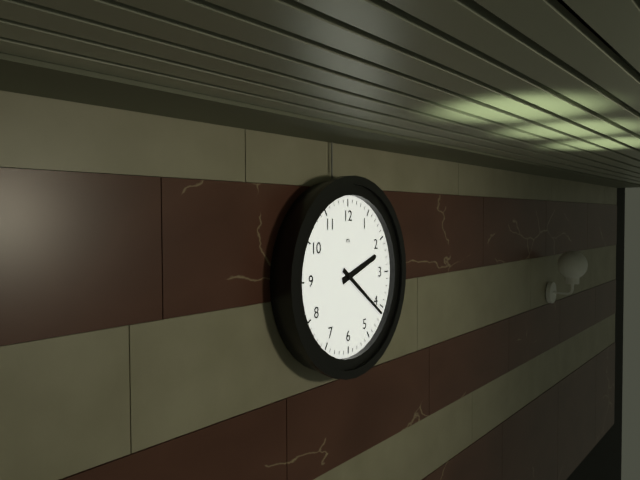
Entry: 2 h 21 min
